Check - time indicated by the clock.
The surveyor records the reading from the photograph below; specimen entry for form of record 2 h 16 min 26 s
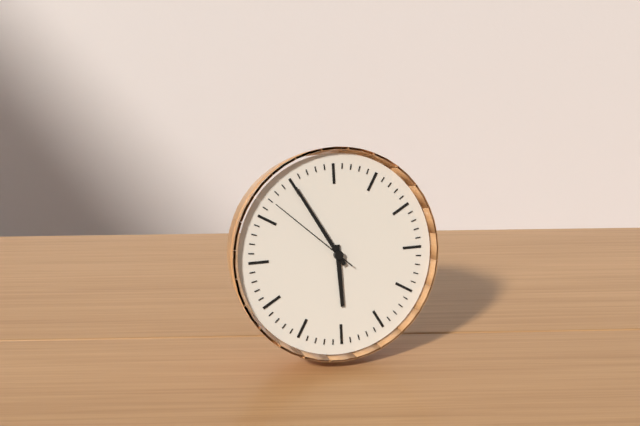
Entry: 5 h 55 min 52 s
